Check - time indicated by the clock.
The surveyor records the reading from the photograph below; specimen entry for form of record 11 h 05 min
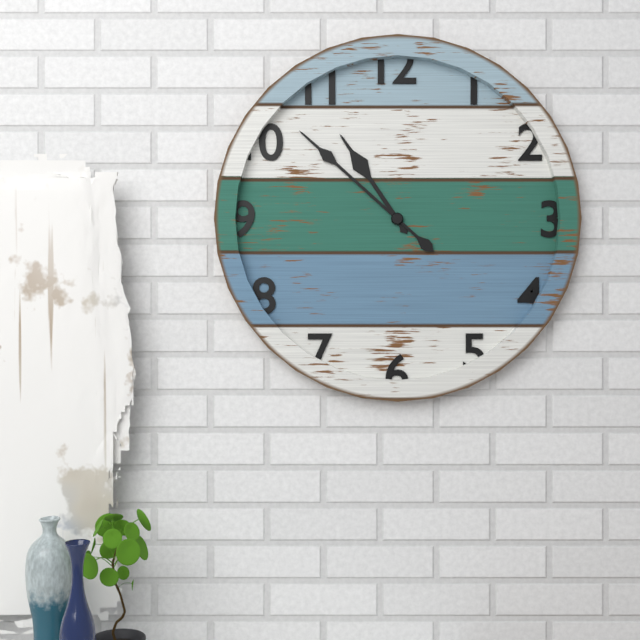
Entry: 10 h 52 min
